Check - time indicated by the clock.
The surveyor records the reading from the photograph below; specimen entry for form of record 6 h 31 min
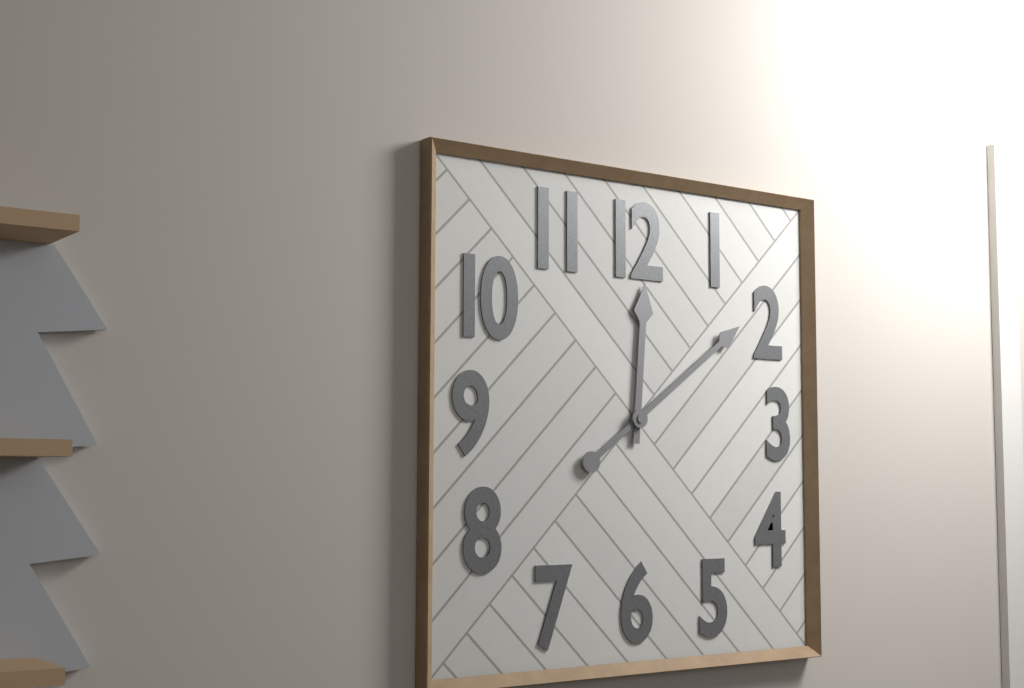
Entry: 12 h 09 min
